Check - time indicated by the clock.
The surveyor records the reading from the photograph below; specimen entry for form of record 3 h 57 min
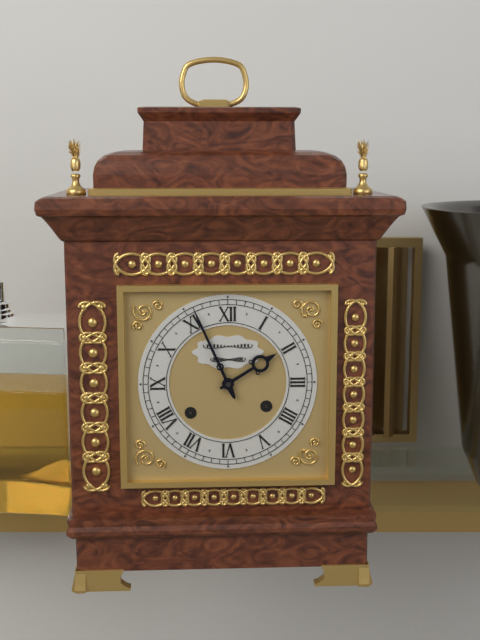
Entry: 1 h 56 min
